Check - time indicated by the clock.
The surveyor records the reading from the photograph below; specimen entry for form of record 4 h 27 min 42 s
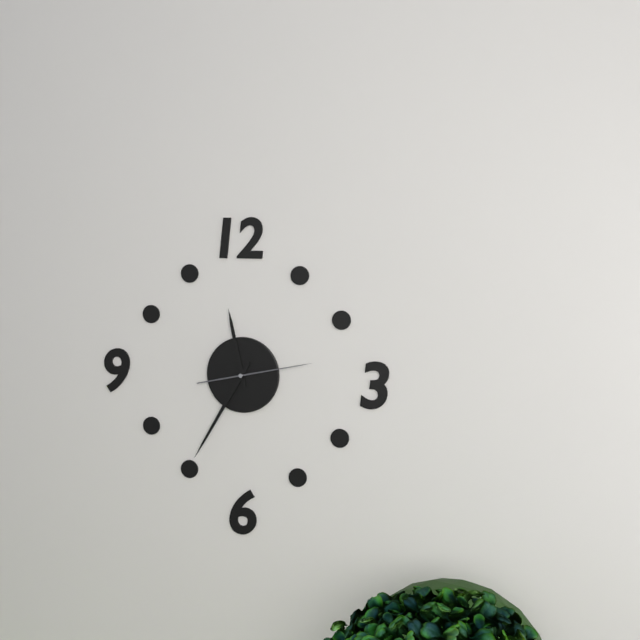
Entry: 11 h 35 min 13 s
